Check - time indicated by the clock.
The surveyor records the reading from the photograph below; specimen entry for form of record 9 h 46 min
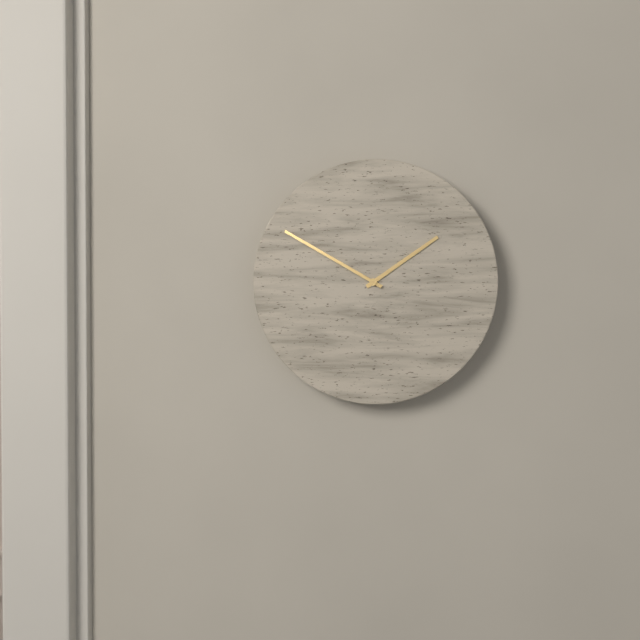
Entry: 1 h 50 min
